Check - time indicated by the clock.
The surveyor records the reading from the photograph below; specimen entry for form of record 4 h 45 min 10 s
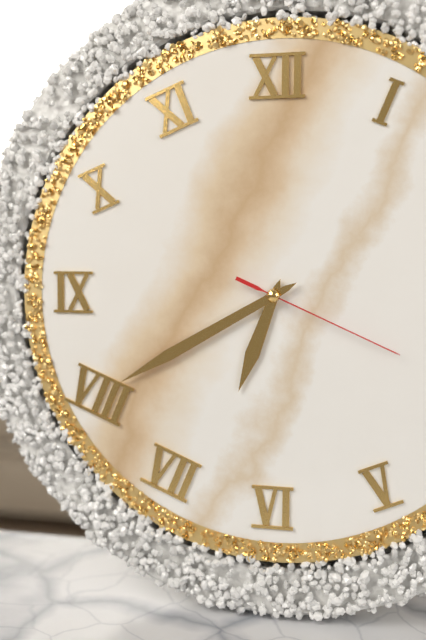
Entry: 6 h 40 min 19 s
